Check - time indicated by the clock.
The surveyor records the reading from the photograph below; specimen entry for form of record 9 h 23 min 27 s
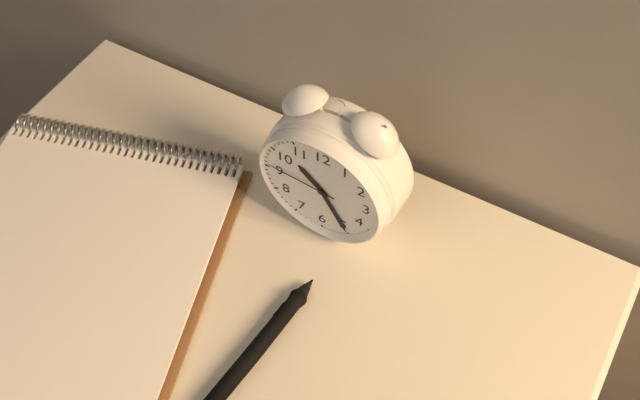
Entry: 10 h 25 min 46 s
